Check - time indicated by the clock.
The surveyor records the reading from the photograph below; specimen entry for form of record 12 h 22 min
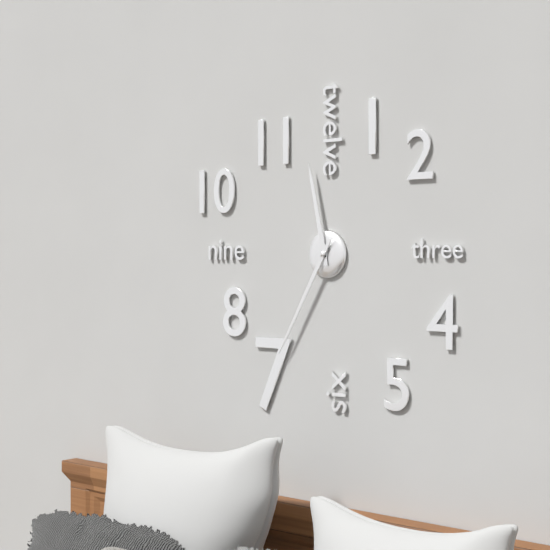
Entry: 11 h 35 min
